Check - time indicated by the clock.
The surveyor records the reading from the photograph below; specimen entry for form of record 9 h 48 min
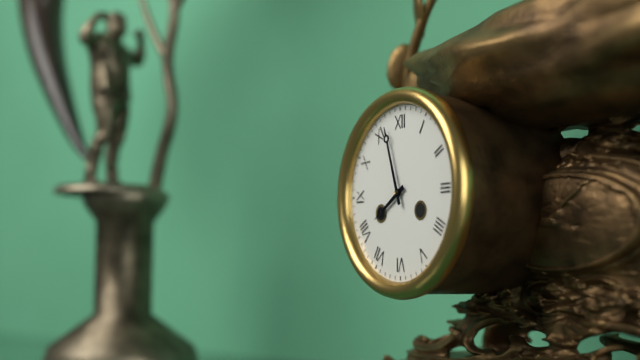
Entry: 7 h 57 min
